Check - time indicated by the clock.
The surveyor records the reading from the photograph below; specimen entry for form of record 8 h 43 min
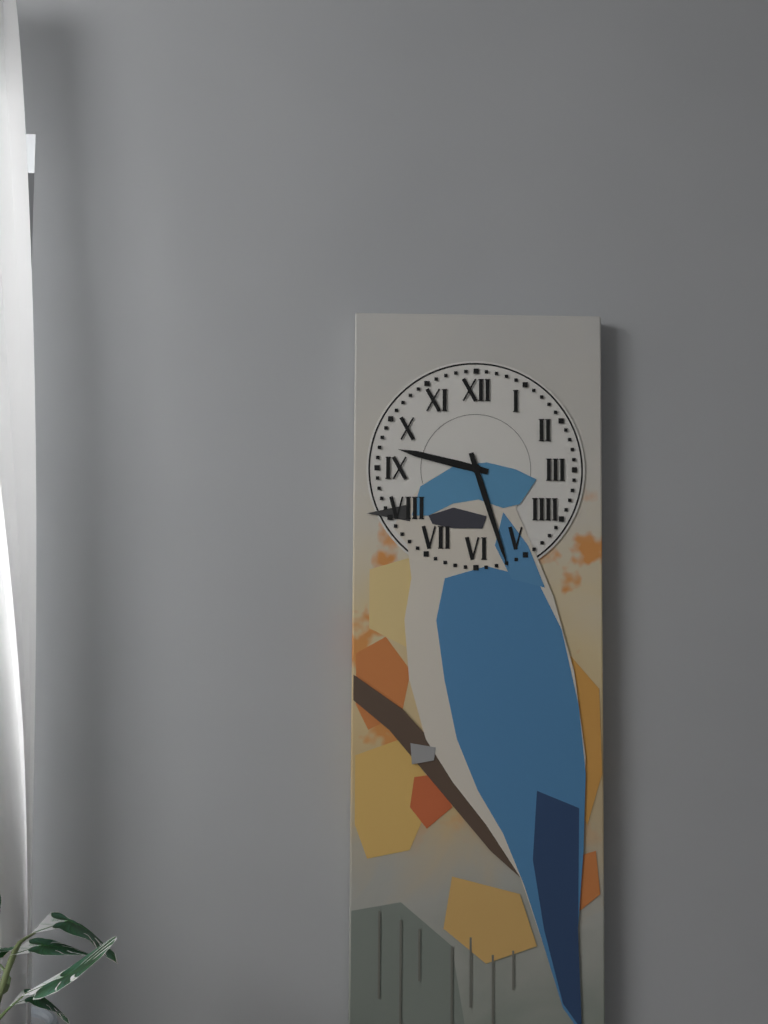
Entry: 9 h 27 min
